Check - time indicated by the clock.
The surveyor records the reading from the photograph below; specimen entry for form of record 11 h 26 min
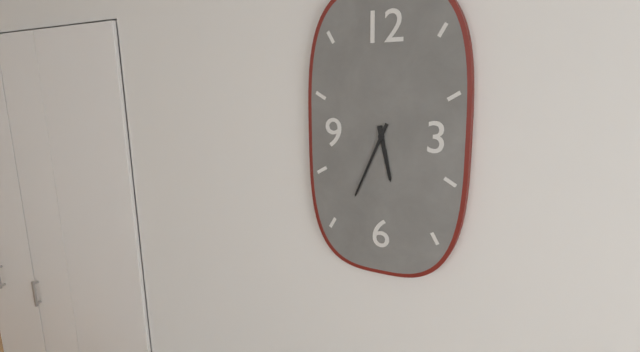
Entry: 5 h 34 min
